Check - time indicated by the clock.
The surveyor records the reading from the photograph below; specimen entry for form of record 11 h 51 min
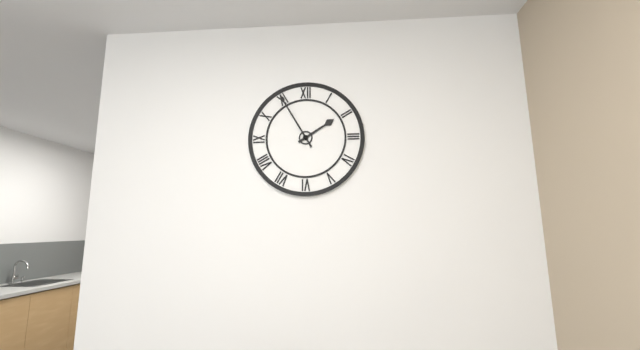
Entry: 1 h 55 min
